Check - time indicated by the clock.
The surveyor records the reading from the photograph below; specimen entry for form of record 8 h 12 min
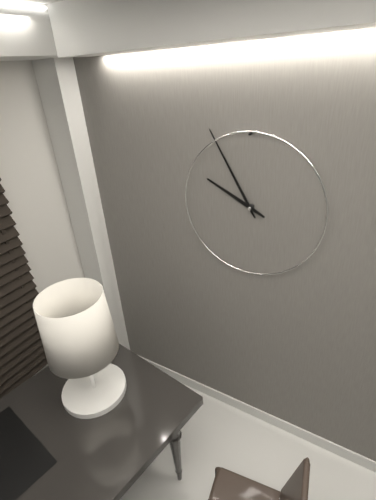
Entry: 9 h 55 min
